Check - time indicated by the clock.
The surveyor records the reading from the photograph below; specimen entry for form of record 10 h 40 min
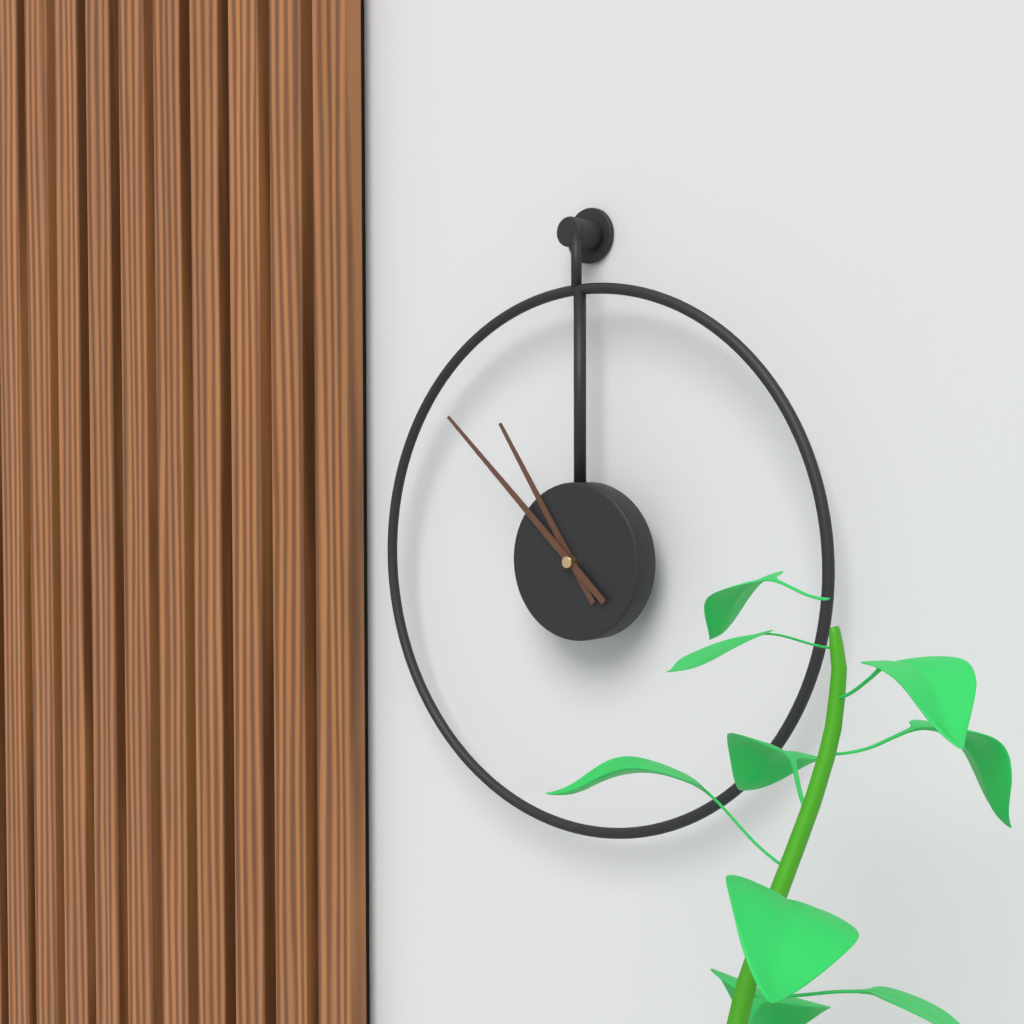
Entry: 10 h 52 min
